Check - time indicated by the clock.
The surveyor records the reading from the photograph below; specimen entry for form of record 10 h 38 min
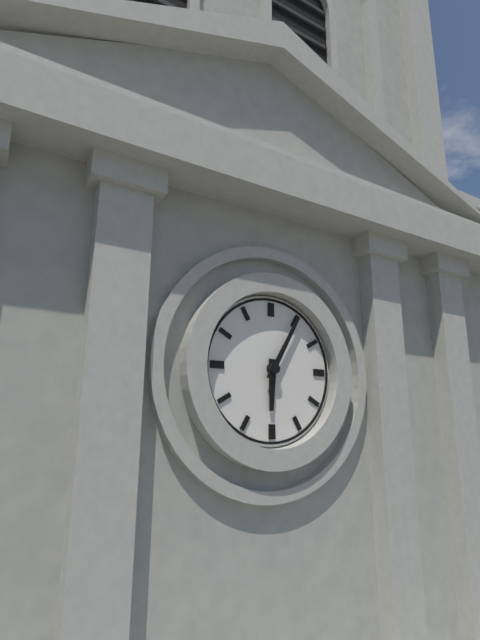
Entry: 6 h 05 min
